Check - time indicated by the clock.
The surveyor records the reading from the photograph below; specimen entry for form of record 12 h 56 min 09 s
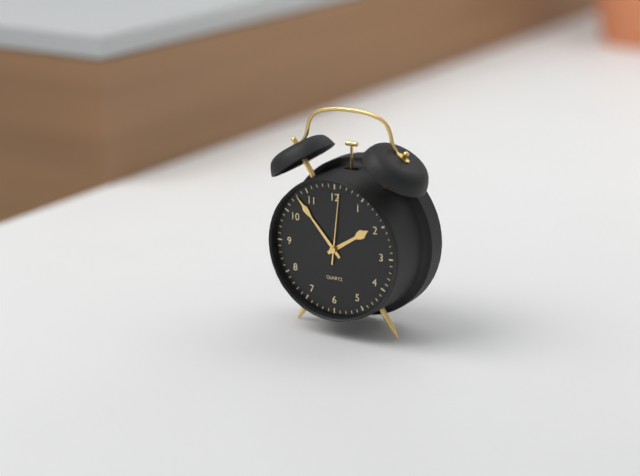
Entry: 1 h 53 min 01 s
